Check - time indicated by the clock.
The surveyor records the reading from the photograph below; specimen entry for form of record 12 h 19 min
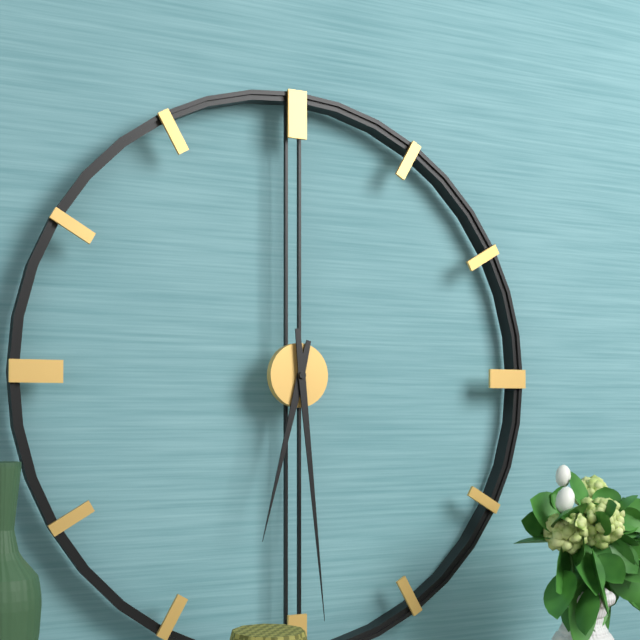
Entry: 6 h 29 min
